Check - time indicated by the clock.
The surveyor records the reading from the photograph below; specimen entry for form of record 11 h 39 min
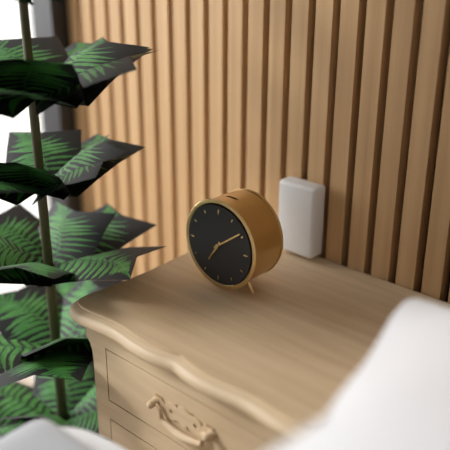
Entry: 7 h 09 min
